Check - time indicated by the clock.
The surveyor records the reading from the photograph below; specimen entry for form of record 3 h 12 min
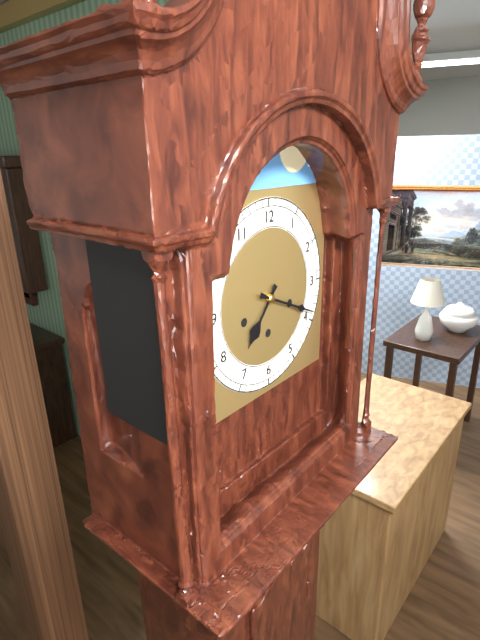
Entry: 7 h 19 min
